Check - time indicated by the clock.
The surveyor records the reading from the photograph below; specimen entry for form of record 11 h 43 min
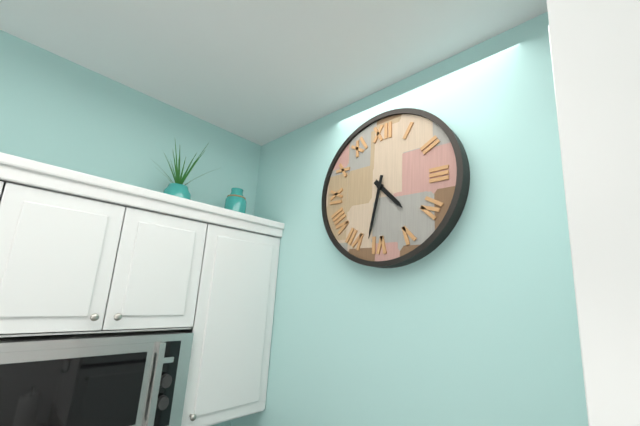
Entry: 4 h 32 min
